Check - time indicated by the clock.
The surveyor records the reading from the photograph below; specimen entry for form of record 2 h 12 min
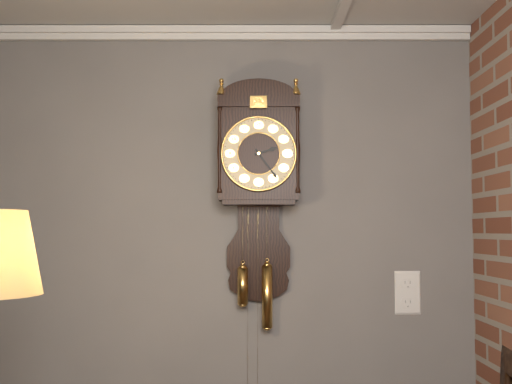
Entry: 2 h 24 min
